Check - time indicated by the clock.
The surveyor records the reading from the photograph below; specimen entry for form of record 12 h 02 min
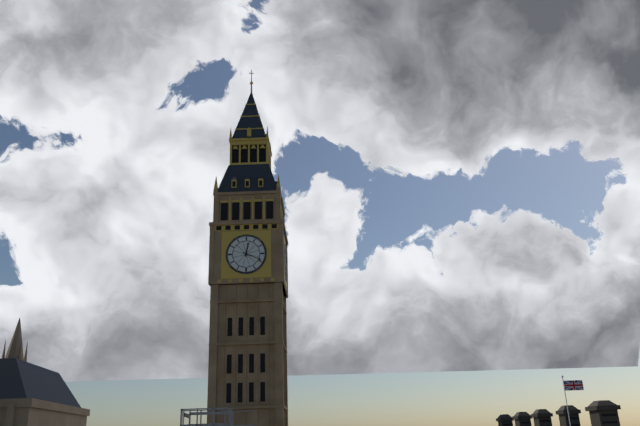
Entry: 12 h 19 min
